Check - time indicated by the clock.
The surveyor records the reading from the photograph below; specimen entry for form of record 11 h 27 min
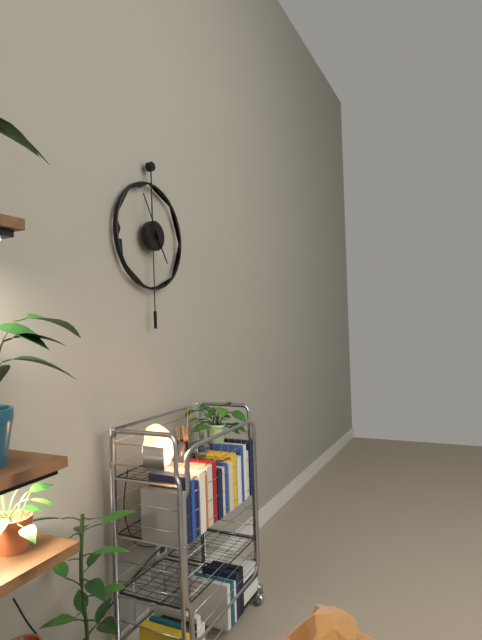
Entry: 4 h 55 min
